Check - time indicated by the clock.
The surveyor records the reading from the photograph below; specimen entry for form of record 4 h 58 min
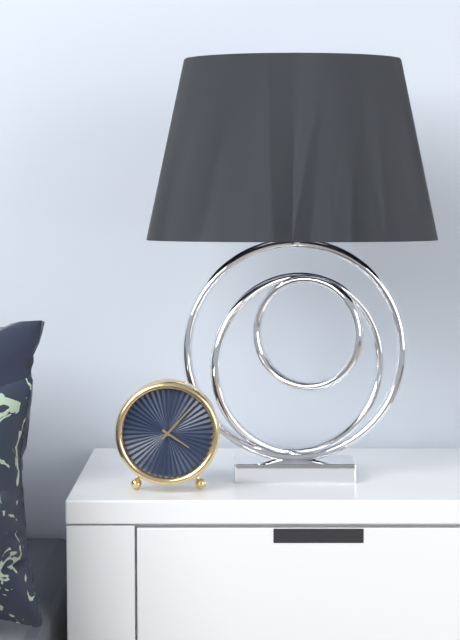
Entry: 4 h 07 min
